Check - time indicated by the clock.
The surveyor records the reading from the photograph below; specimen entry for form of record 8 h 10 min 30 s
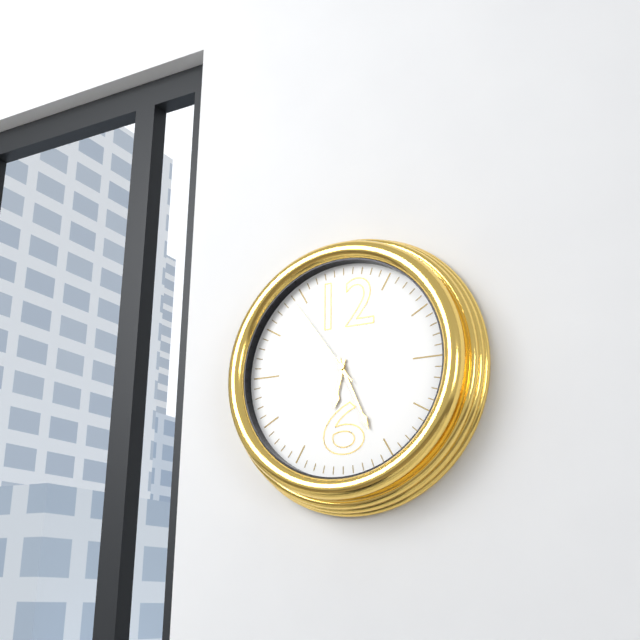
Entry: 6 h 26 min 54 s
